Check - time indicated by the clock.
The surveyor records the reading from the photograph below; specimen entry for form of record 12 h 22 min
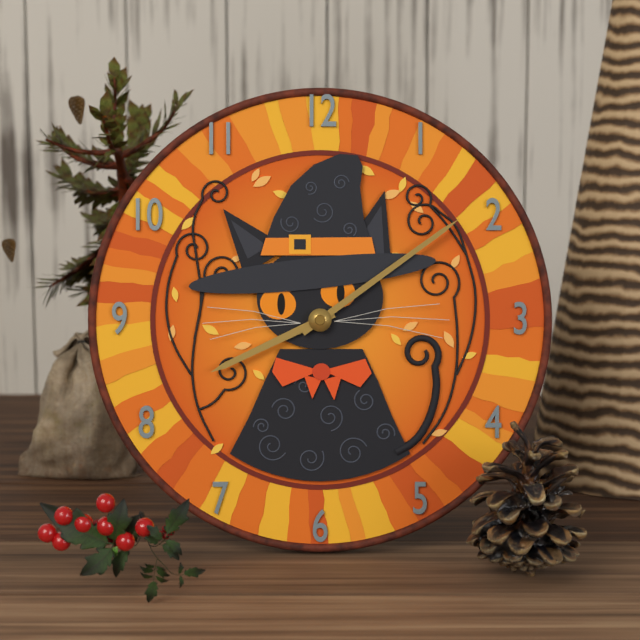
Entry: 8 h 09 min
